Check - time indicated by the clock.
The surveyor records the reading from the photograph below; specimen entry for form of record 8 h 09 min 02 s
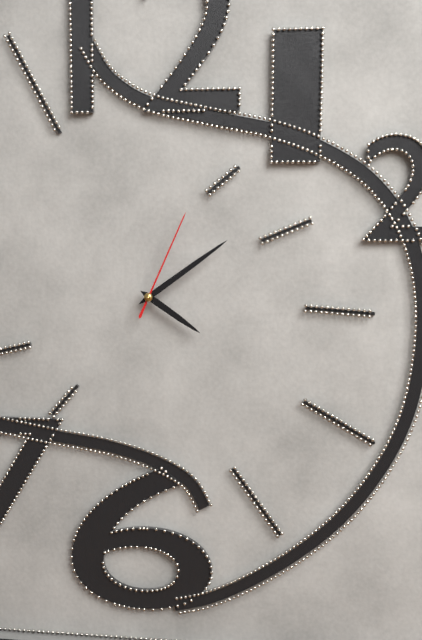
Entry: 4 h 09 min 04 s
